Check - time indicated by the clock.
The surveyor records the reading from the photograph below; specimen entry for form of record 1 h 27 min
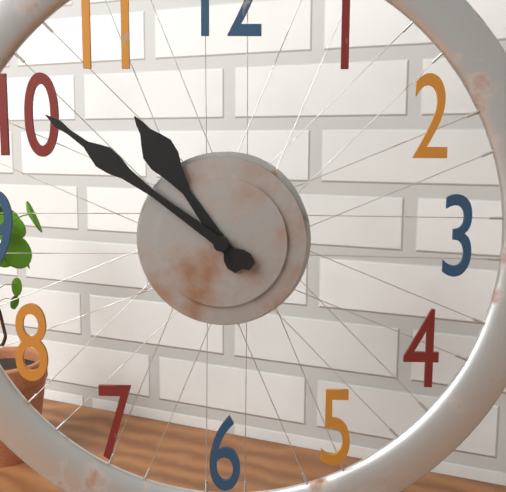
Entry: 10 h 51 min
